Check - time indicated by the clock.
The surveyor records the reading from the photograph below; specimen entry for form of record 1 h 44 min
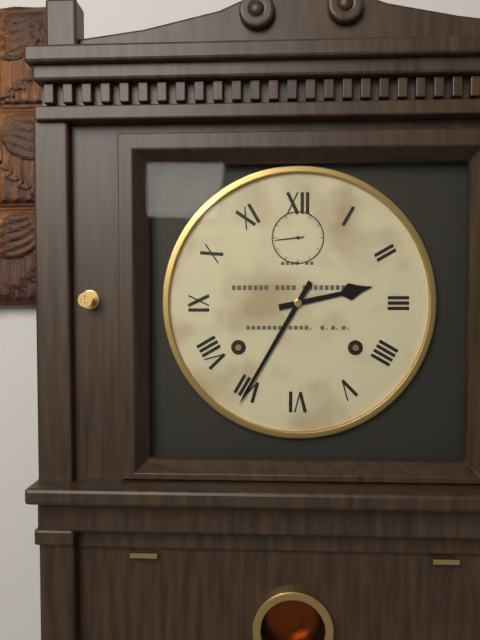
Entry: 2 h 35 min
